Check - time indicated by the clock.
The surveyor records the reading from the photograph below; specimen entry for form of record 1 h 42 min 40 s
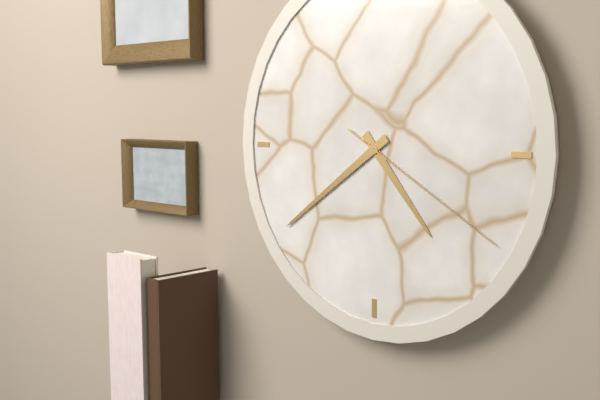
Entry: 4 h 39 min 20 s
